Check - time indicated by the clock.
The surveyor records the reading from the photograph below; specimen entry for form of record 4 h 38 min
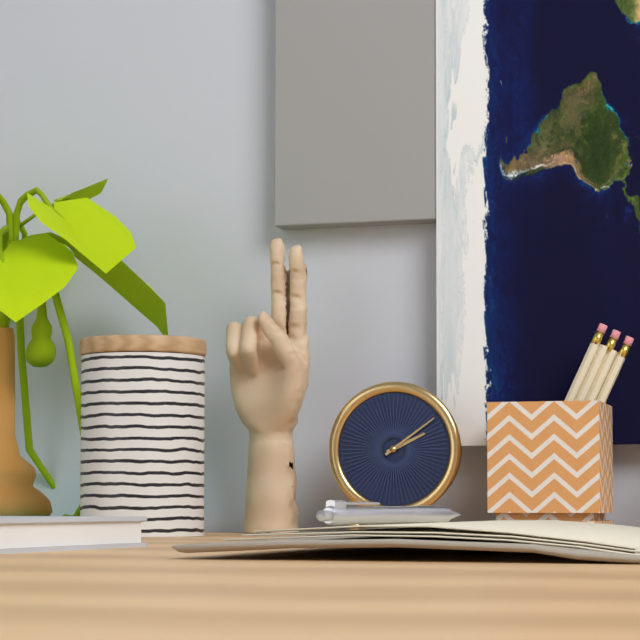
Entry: 2 h 09 min
